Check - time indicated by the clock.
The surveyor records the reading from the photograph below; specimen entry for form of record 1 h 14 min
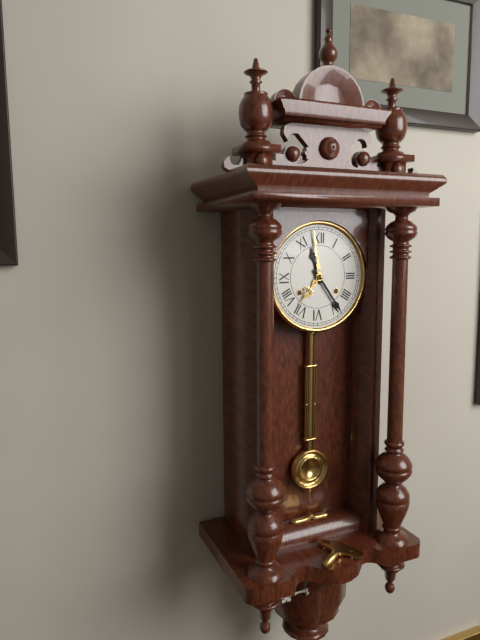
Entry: 11 h 24 min
